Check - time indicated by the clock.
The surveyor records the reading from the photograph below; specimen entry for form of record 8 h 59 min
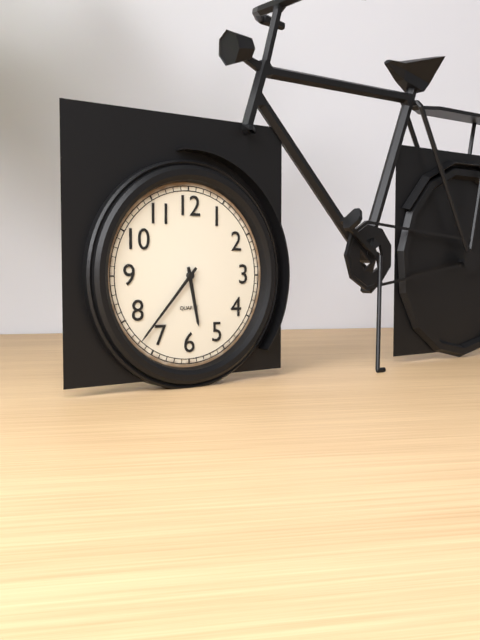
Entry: 5 h 37 min
